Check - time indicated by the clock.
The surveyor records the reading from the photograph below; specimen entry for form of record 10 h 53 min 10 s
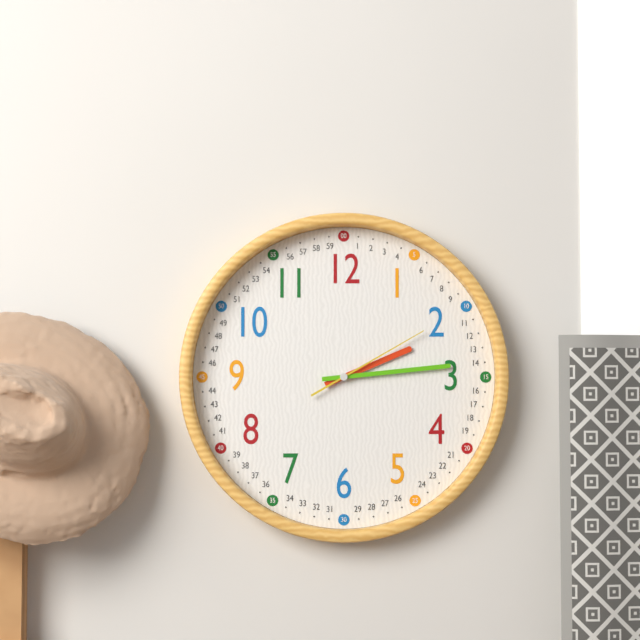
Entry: 2 h 14 min 10 s
